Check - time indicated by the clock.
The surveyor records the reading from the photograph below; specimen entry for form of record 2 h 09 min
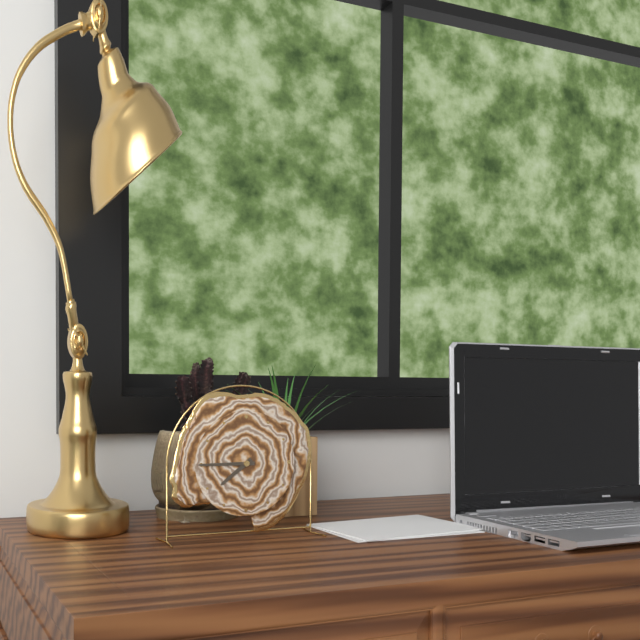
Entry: 7 h 45 min
